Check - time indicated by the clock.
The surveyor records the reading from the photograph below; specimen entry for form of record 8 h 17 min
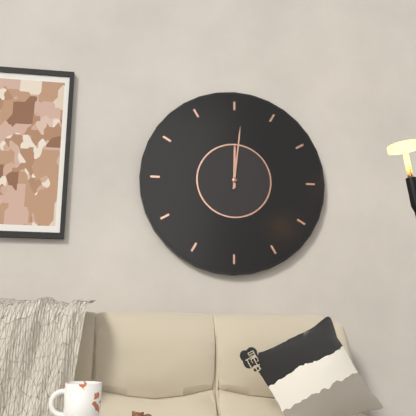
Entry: 12 h 01 min
